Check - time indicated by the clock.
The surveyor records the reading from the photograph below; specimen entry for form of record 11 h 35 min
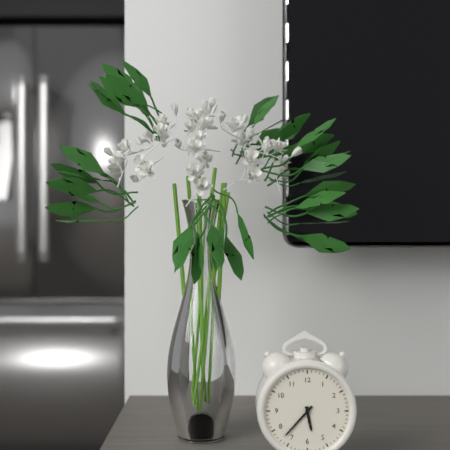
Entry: 5 h 37 min
